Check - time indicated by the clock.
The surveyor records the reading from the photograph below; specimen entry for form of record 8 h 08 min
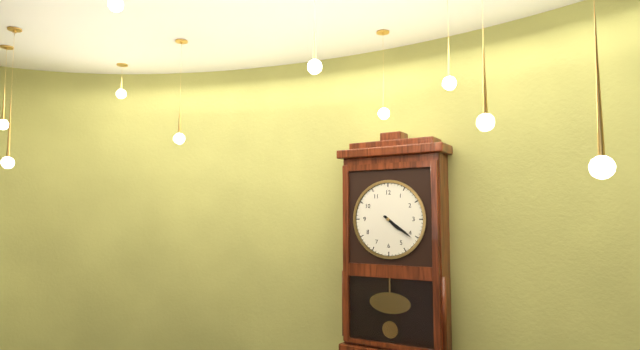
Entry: 4 h 21 min
